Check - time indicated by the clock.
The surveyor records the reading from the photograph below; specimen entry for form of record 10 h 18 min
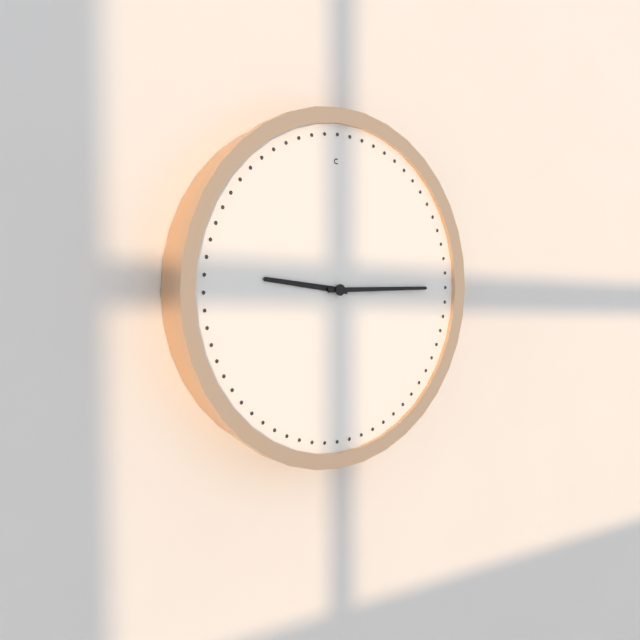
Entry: 9 h 15 min
